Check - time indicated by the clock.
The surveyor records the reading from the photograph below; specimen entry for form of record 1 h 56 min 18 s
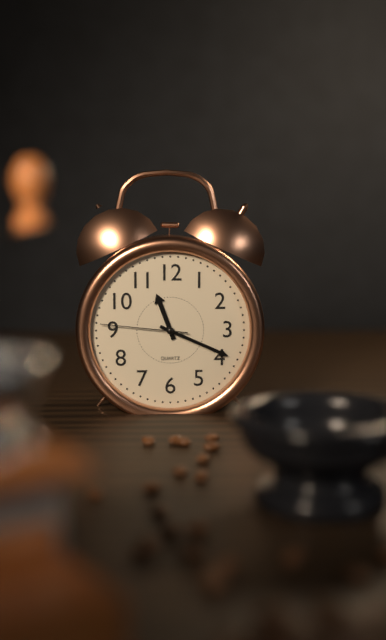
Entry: 11 h 19 min 46 s
